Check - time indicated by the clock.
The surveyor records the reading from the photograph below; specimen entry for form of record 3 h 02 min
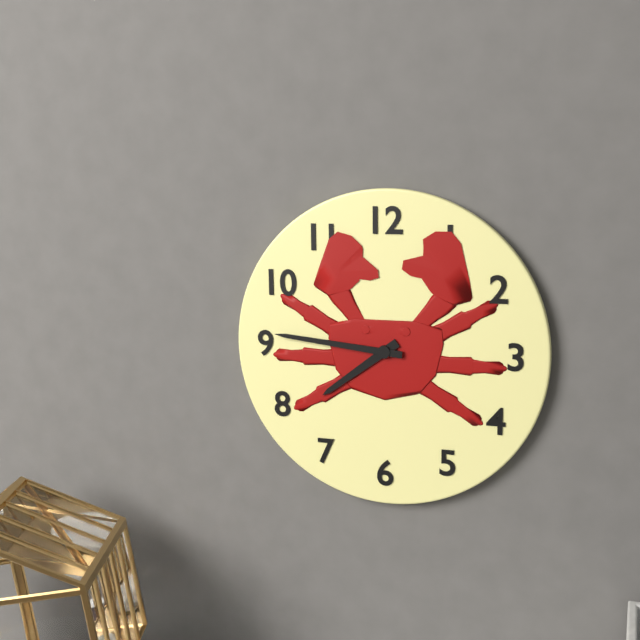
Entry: 7 h 46 min
